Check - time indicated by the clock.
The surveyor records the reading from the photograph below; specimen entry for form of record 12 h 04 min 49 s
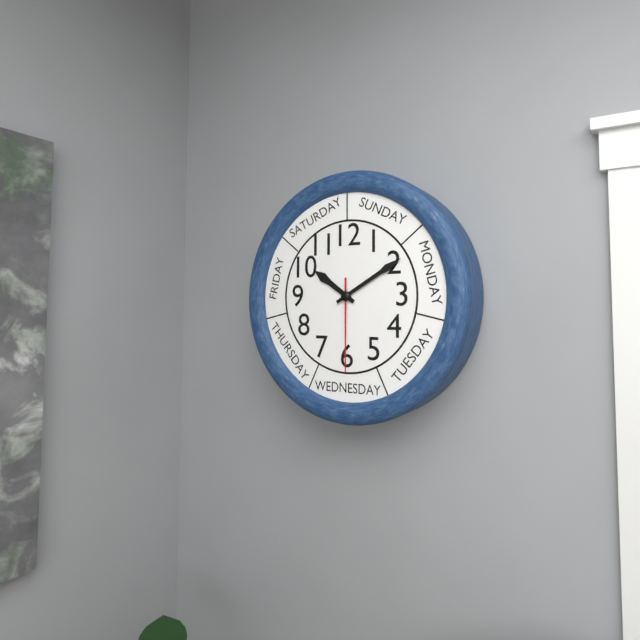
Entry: 10 h 10 min 30 s
